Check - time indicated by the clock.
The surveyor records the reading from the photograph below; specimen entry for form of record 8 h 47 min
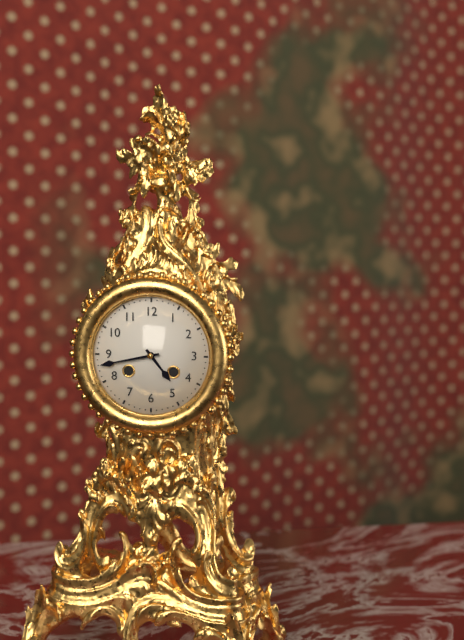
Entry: 4 h 43 min
